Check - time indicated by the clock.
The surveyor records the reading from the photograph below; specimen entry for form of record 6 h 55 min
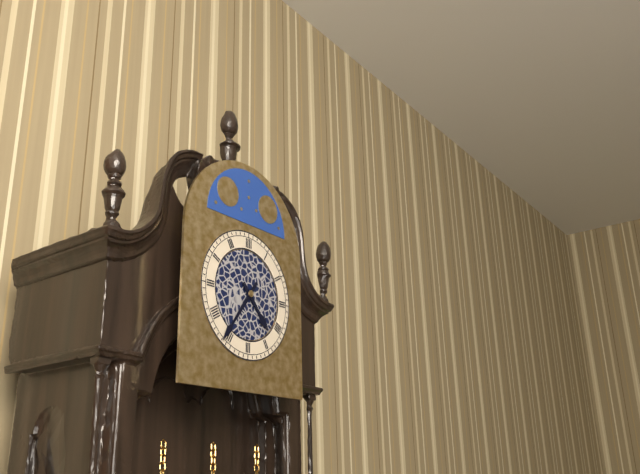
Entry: 4 h 36 min
